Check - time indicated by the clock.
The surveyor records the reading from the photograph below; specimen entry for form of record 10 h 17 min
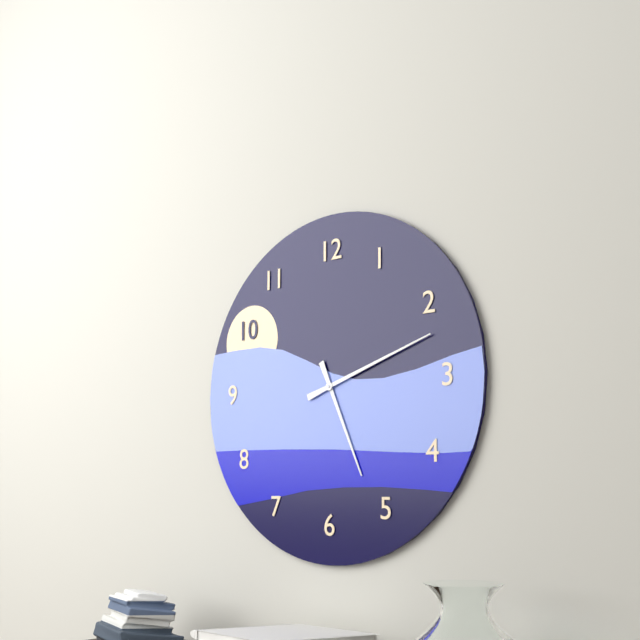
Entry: 5 h 12 min
